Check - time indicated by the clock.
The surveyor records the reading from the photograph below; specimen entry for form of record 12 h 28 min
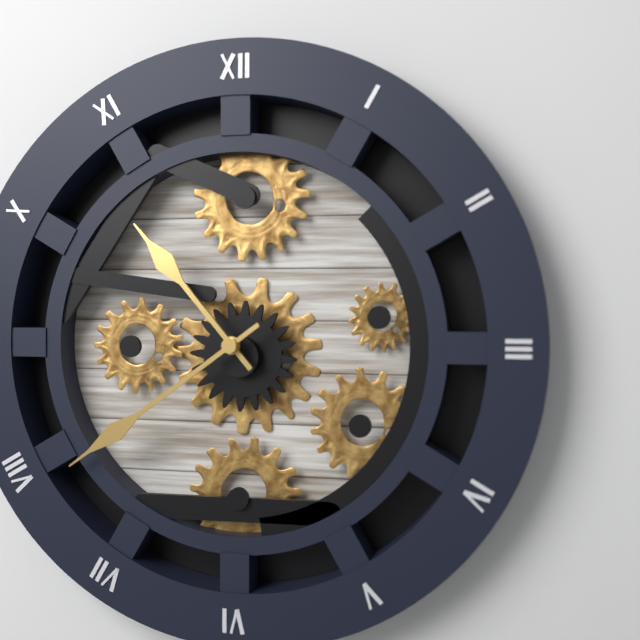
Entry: 10 h 39 min
